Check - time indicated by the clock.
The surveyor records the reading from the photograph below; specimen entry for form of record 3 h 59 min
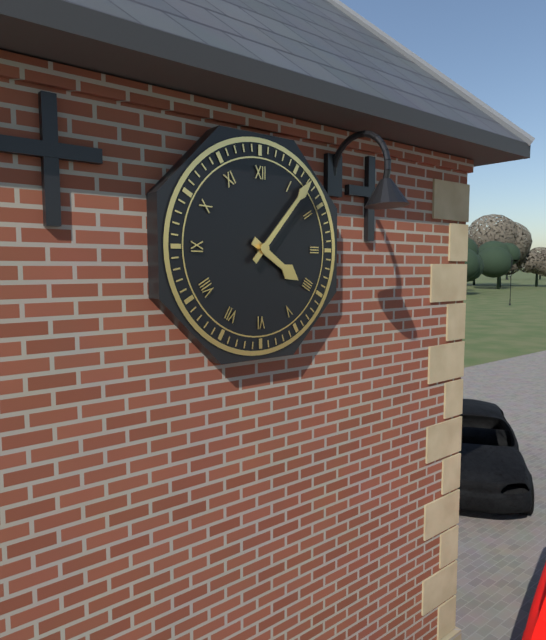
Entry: 4 h 07 min
